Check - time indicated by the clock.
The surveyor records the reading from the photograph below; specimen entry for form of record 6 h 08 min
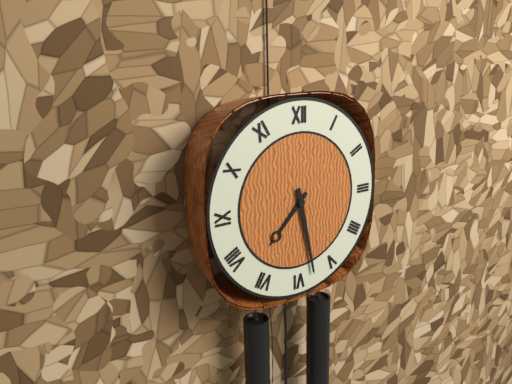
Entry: 7 h 28 min
